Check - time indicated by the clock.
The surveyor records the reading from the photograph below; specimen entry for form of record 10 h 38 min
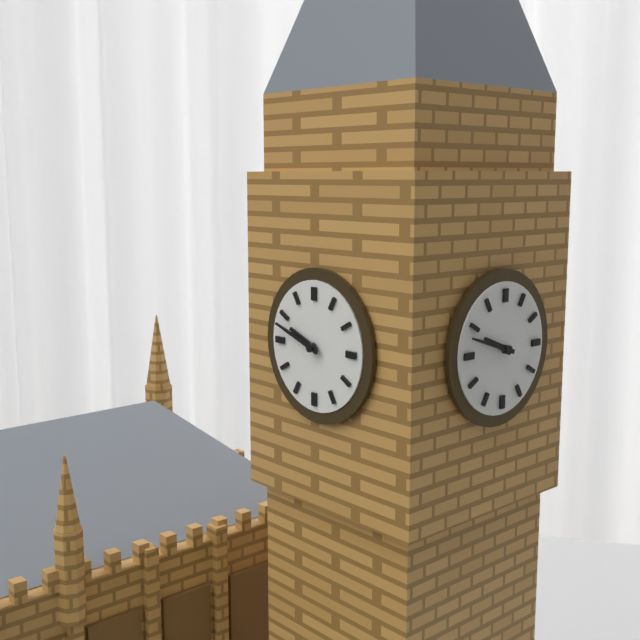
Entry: 9 h 48 min
